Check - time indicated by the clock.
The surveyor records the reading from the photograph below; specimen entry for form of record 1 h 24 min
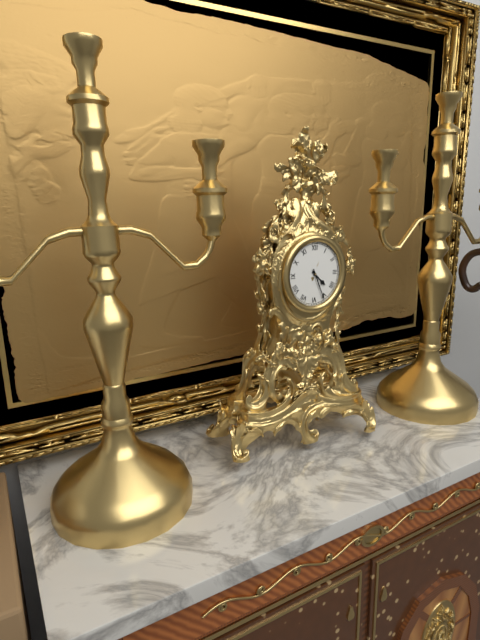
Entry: 4 h 26 min
